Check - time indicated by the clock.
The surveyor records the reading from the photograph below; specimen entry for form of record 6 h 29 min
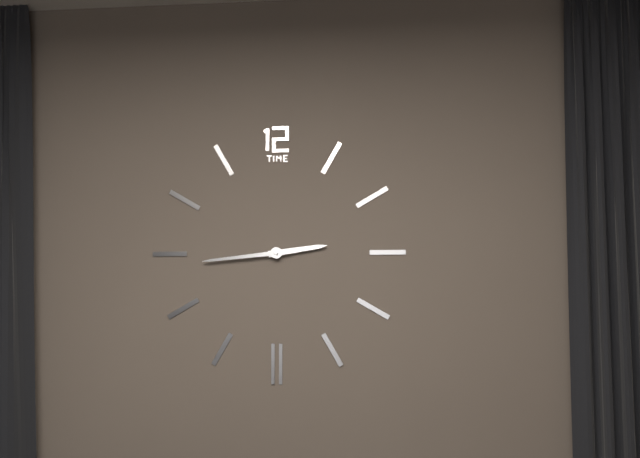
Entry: 2 h 44 min
